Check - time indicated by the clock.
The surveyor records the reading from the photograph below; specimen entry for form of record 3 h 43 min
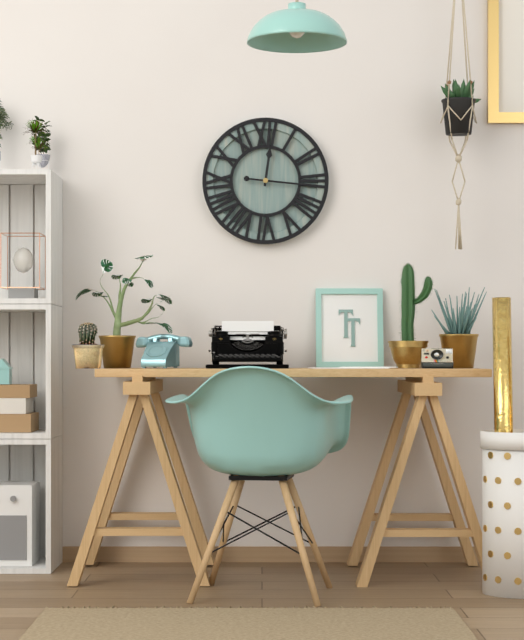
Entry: 12 h 16 min
